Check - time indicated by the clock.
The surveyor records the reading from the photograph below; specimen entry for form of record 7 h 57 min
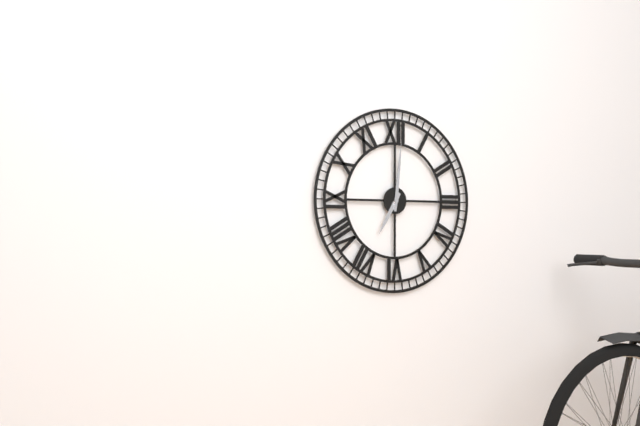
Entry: 7 h 01 min
